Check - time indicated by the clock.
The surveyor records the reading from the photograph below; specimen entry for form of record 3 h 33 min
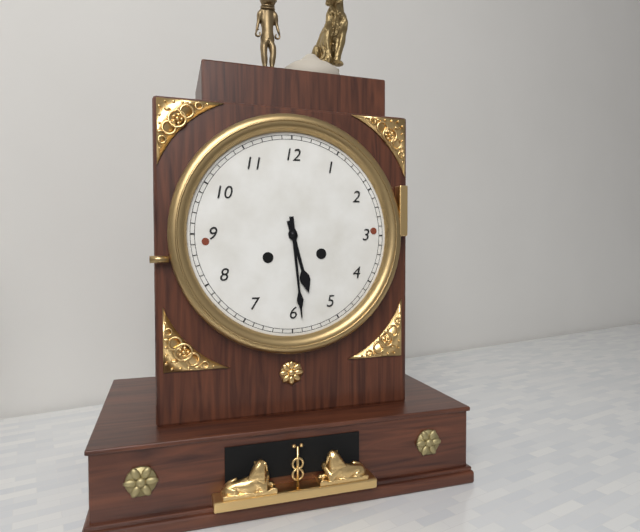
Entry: 5 h 29 min
